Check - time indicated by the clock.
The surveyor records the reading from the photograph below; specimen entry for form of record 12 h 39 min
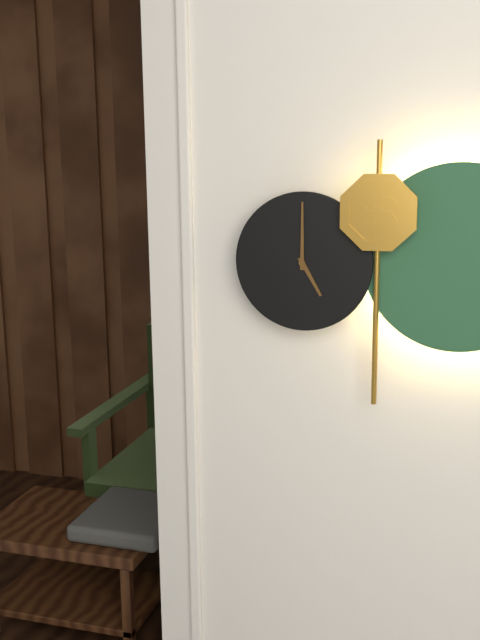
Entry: 5 h 00 min
